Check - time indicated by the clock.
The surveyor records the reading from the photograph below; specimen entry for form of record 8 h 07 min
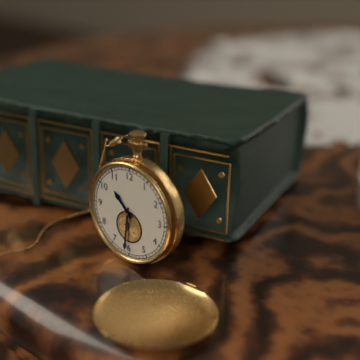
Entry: 10 h 31 min
